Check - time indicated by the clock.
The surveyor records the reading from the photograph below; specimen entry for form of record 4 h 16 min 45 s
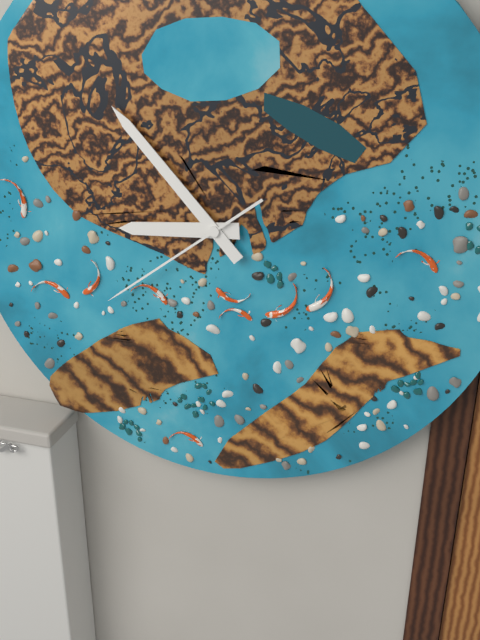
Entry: 8 h 53 min 39 s
